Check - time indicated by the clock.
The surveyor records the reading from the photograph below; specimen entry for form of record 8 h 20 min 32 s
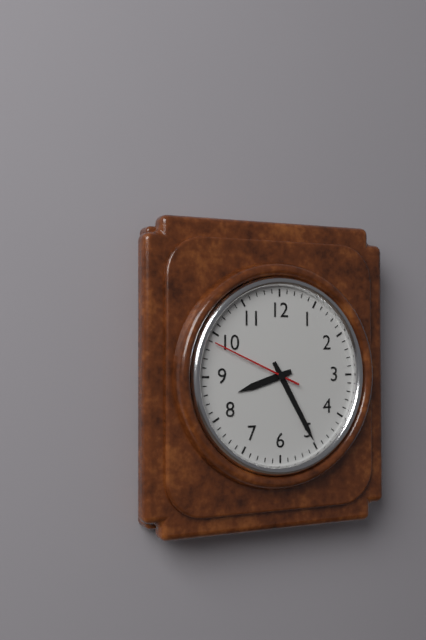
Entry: 8 h 25 min 49 s
